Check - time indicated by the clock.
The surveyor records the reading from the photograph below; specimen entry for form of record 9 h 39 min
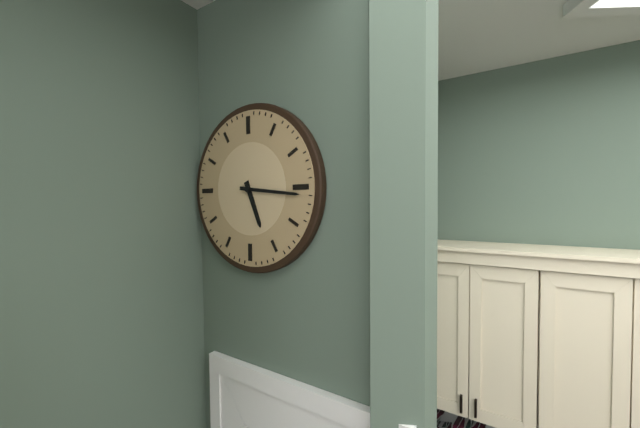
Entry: 5 h 16 min
